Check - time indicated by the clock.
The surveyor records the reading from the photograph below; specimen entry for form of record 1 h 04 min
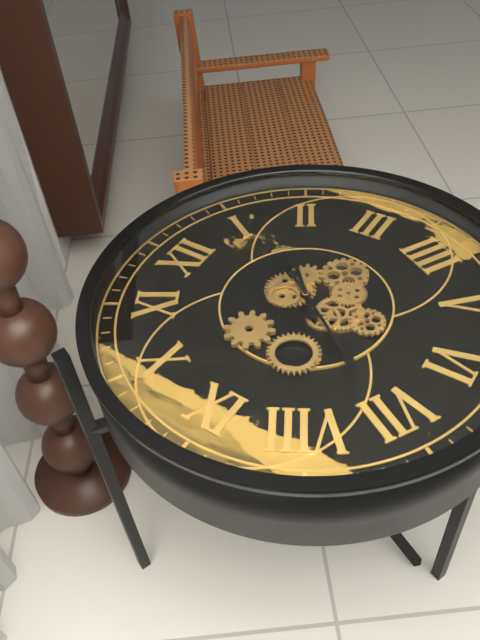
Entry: 1 h 36 min
